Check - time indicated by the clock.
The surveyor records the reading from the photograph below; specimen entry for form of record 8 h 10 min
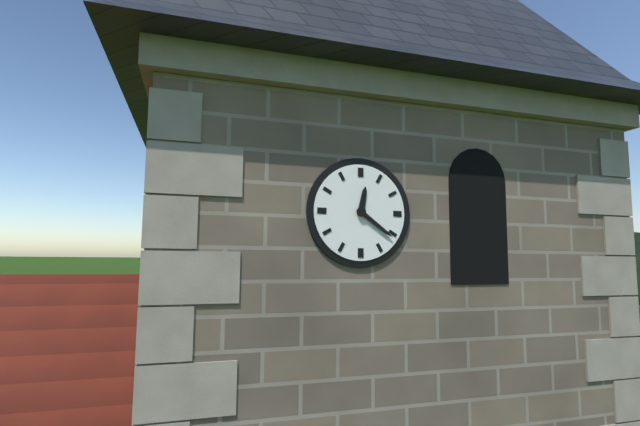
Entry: 12 h 21 min
